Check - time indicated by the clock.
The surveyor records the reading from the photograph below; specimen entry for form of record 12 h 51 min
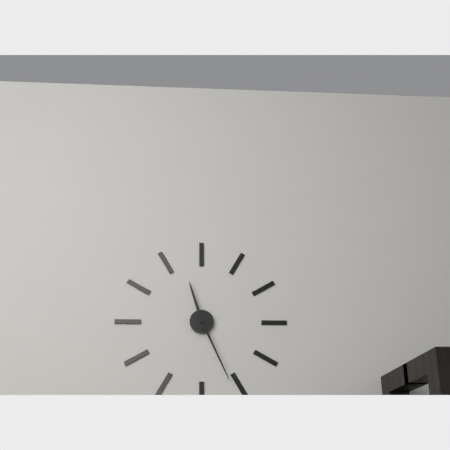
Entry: 11 h 26 min
